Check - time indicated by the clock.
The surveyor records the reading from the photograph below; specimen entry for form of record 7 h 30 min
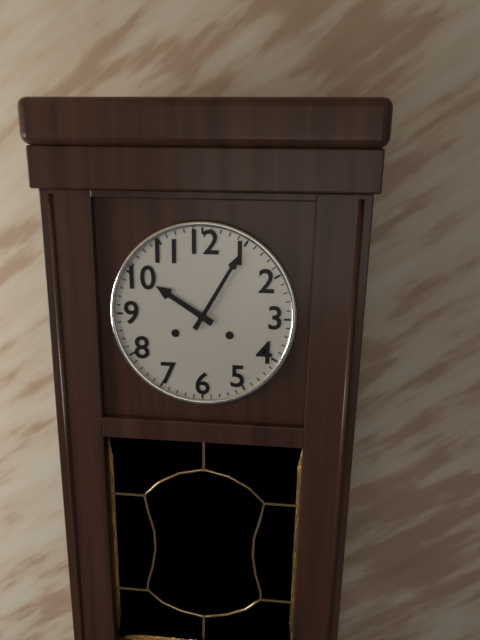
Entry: 10 h 05 min
